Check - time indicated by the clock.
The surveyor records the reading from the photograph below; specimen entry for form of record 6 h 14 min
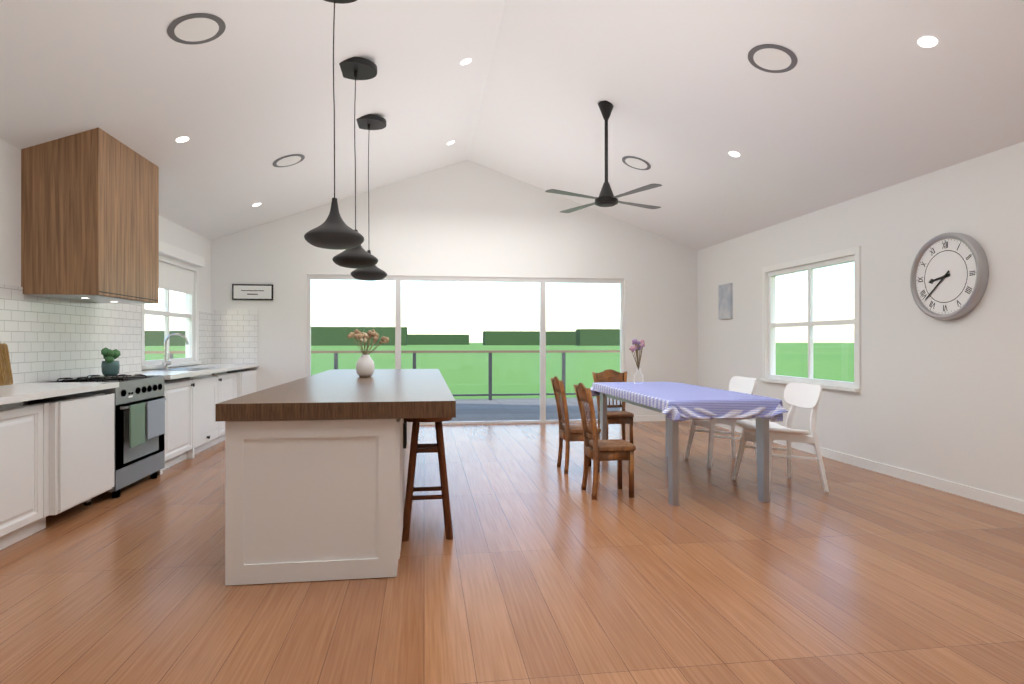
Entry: 8 h 38 min
